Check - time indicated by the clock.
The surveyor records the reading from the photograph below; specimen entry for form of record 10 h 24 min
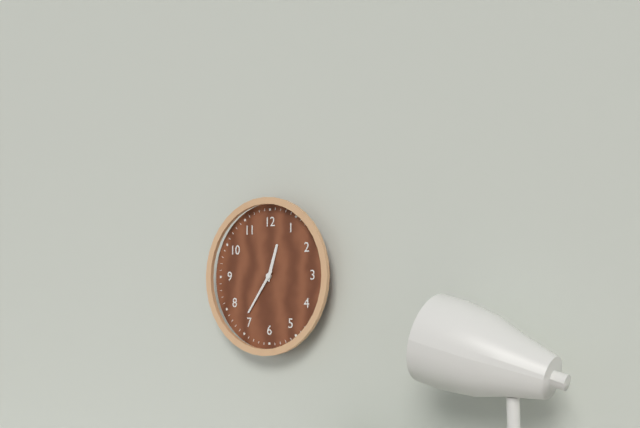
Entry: 12 h 36 min
